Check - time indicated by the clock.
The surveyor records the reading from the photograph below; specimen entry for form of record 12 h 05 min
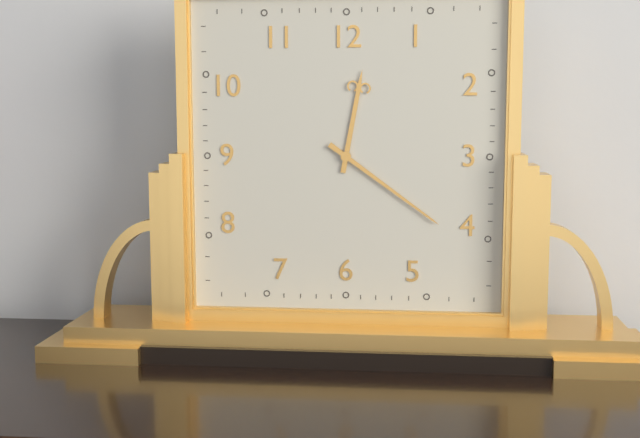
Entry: 12 h 21 min
